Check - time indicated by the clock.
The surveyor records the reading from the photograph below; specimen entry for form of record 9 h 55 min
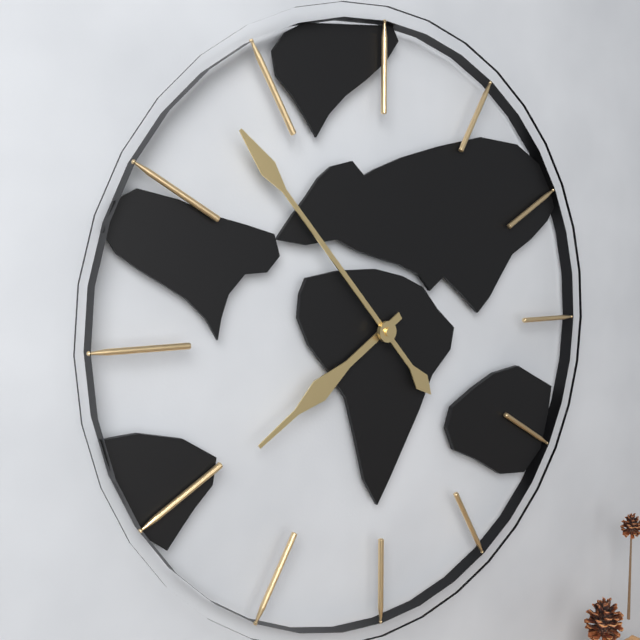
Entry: 7 h 53 min
